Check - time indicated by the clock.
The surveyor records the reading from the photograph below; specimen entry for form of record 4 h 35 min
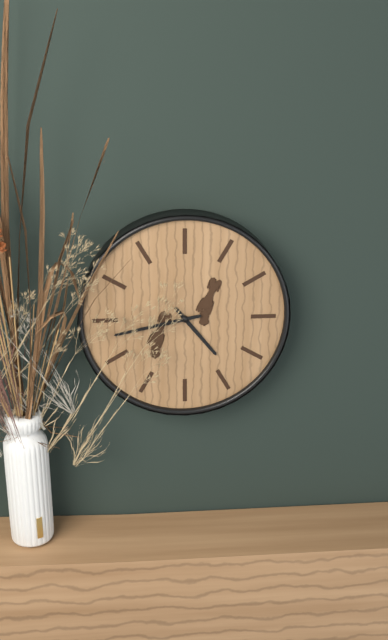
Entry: 4 h 43 min
